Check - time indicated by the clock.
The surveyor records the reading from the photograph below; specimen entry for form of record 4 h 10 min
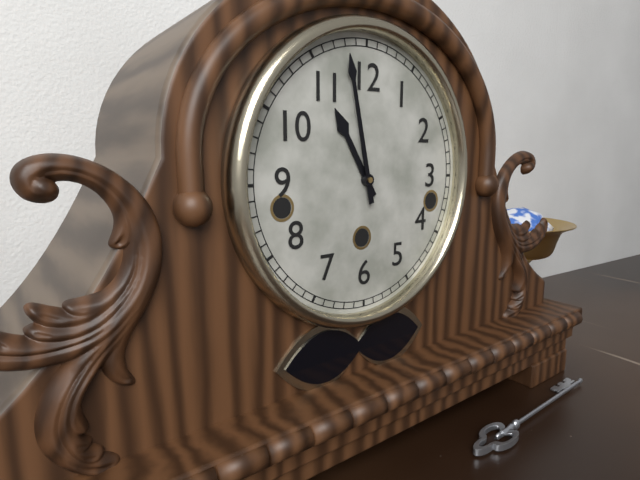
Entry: 10 h 58 min
